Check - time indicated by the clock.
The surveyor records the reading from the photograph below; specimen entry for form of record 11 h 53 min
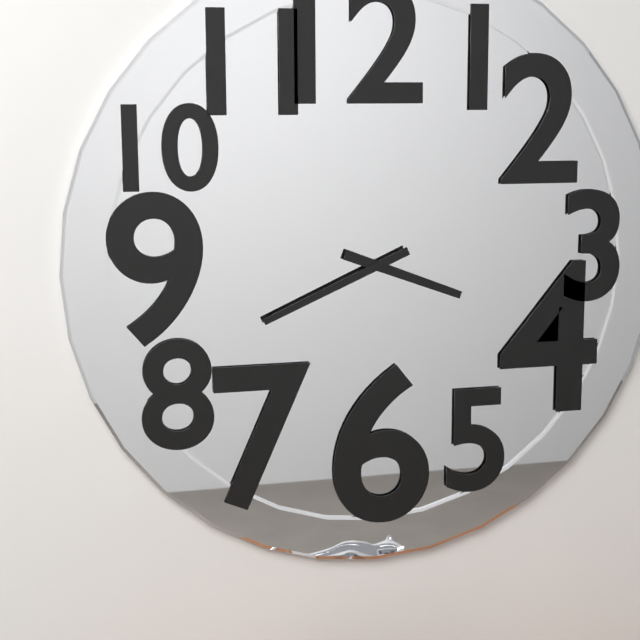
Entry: 3 h 41 min
